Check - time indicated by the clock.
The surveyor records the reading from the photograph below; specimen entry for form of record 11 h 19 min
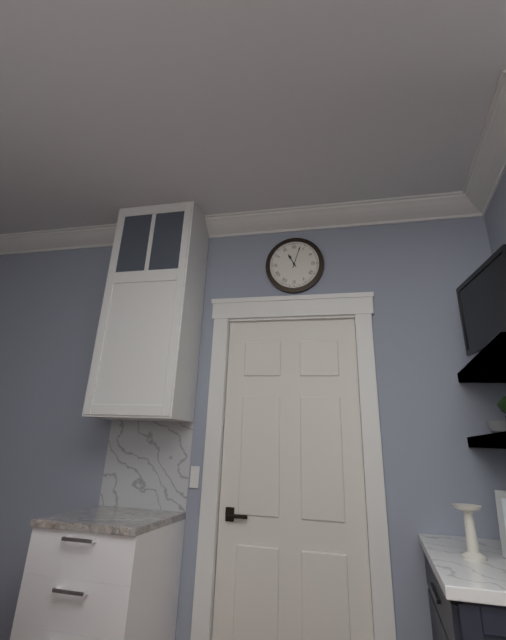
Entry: 11 h 03 min
